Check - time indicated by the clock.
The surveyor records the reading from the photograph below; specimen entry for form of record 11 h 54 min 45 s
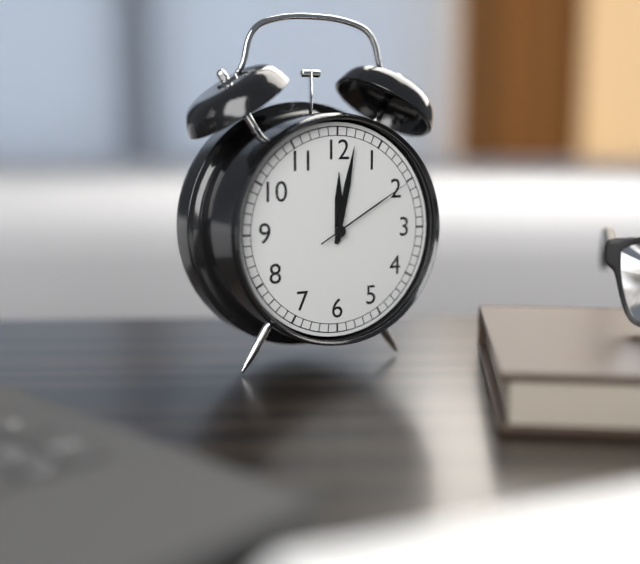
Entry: 12 h 02 min 10 s
